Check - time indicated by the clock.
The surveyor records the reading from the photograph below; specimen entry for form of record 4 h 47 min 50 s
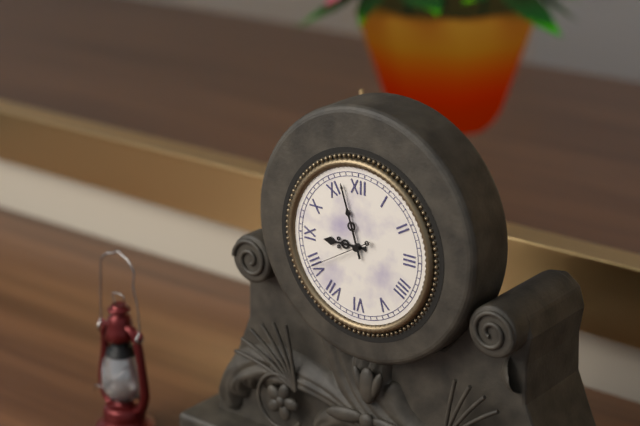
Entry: 8 h 57 min 40 s
